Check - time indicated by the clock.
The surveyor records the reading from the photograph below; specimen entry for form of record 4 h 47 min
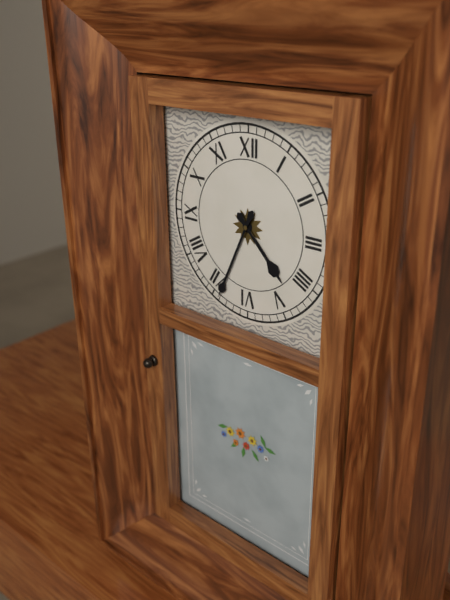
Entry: 4 h 34 min
